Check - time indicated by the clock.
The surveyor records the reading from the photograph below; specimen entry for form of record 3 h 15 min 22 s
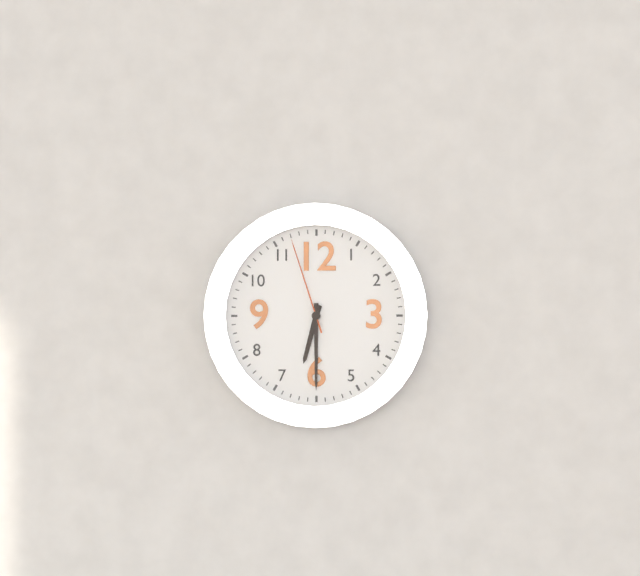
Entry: 6 h 30 min 57 s
